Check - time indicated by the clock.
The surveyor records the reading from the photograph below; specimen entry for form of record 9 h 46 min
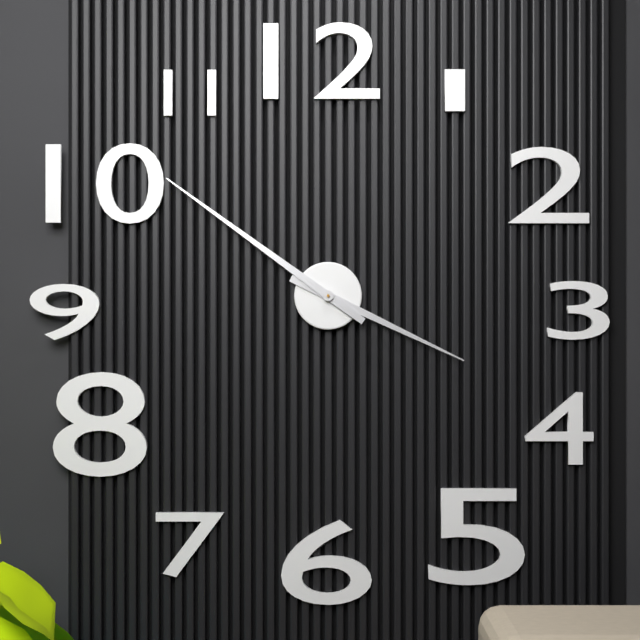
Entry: 3 h 51 min
